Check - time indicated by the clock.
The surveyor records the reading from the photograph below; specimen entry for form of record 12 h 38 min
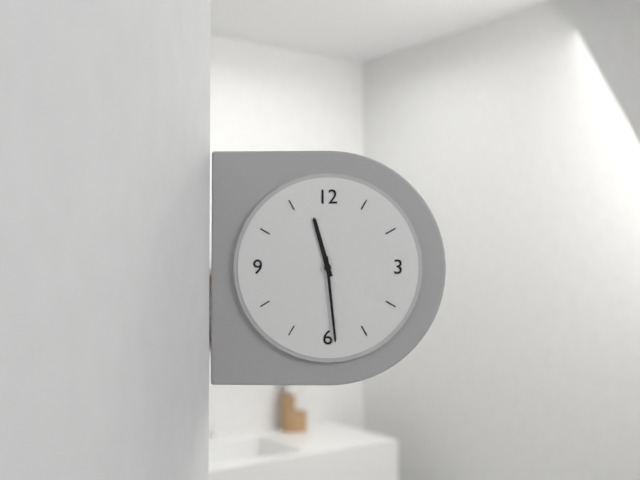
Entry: 11 h 29 min
